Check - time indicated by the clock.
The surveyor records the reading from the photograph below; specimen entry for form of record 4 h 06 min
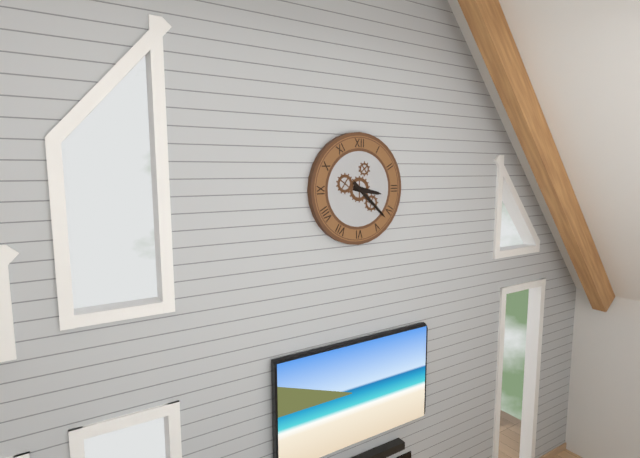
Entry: 3 h 22 min
